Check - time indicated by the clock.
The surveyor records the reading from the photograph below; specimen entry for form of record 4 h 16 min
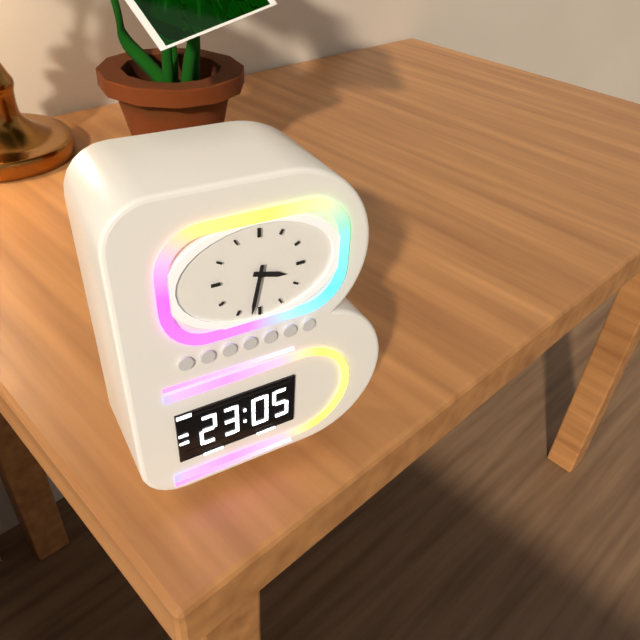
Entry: 3 h 32 min
